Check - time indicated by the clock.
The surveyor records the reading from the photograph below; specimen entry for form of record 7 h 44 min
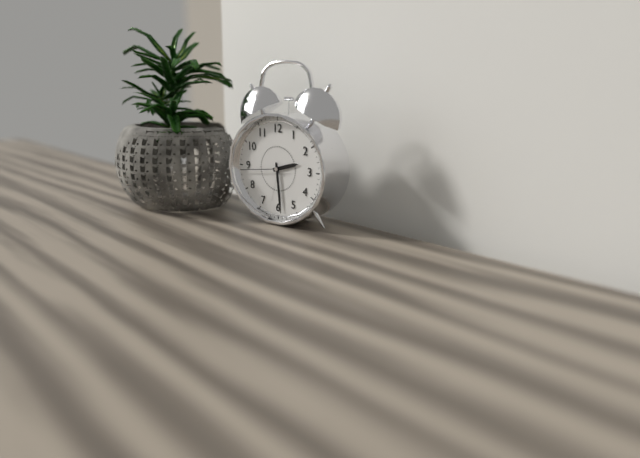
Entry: 2 h 29 min
